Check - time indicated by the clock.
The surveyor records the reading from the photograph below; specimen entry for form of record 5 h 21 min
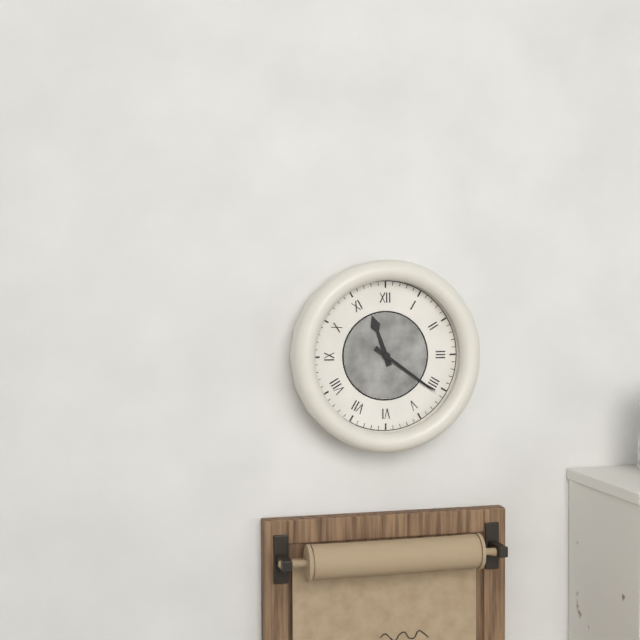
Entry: 11 h 21 min
